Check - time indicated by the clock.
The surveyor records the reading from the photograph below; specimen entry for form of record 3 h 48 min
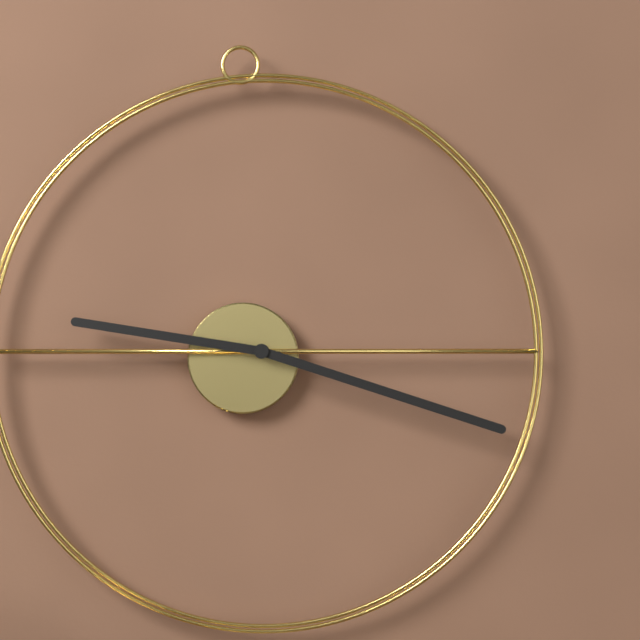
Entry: 9 h 18 min
